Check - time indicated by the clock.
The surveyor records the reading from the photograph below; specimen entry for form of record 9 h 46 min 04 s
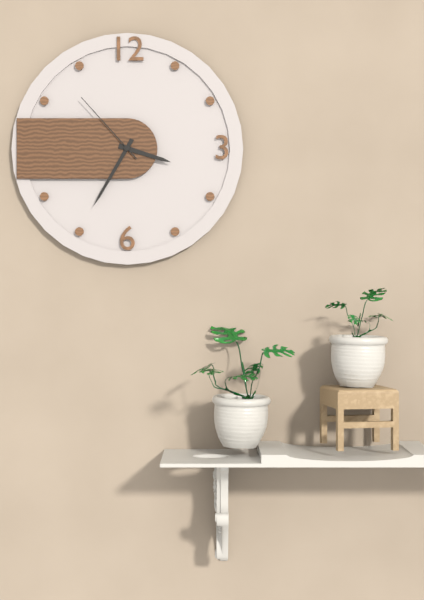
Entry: 3 h 35 min 53 s
